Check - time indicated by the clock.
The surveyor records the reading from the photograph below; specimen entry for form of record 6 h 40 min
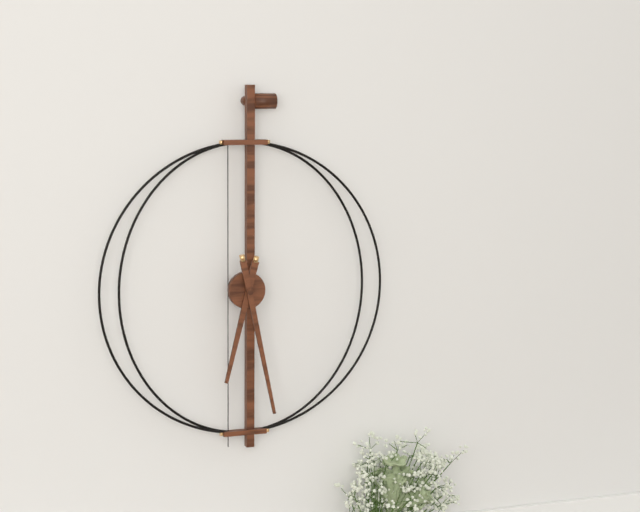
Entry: 6 h 28 min
